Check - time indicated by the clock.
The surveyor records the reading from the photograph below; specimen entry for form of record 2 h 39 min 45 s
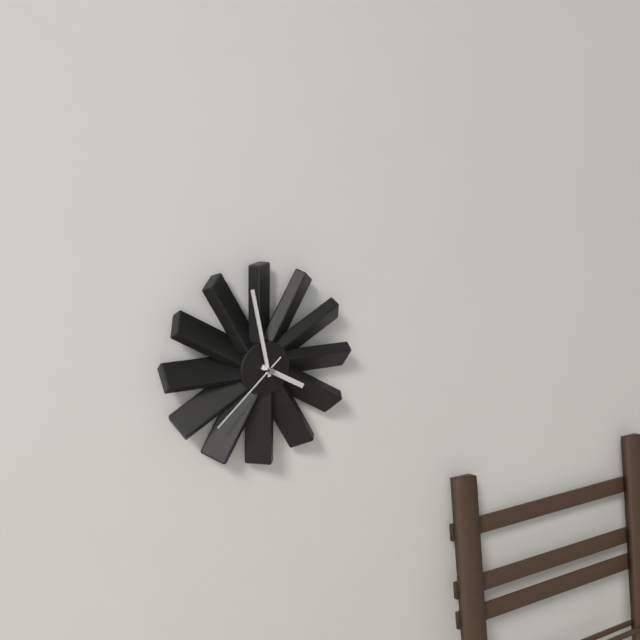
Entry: 3 h 58 min 38 s
